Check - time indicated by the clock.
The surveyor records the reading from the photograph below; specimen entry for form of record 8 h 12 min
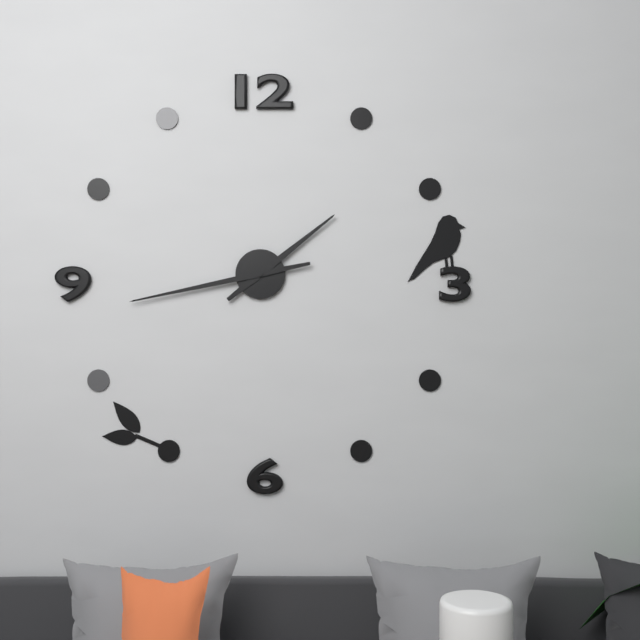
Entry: 1 h 43 min
